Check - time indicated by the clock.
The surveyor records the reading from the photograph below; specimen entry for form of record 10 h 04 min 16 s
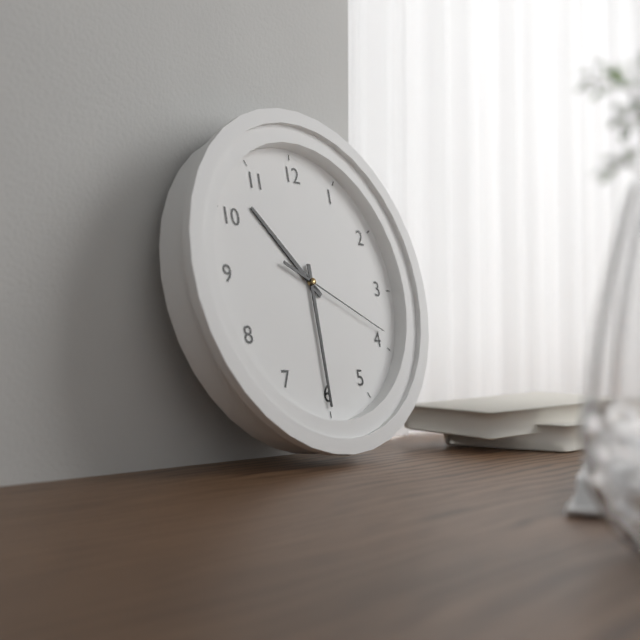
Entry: 10 h 30 min 19 s
